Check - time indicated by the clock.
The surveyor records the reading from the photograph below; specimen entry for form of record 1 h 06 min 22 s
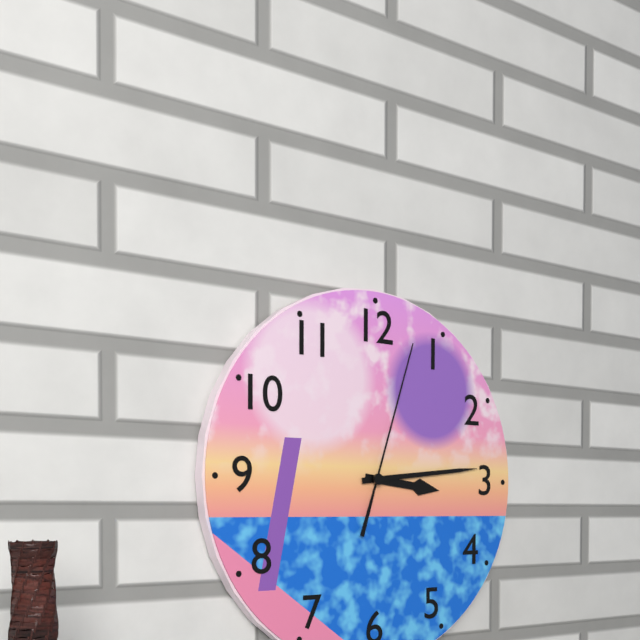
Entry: 3 h 14 min 03 s
